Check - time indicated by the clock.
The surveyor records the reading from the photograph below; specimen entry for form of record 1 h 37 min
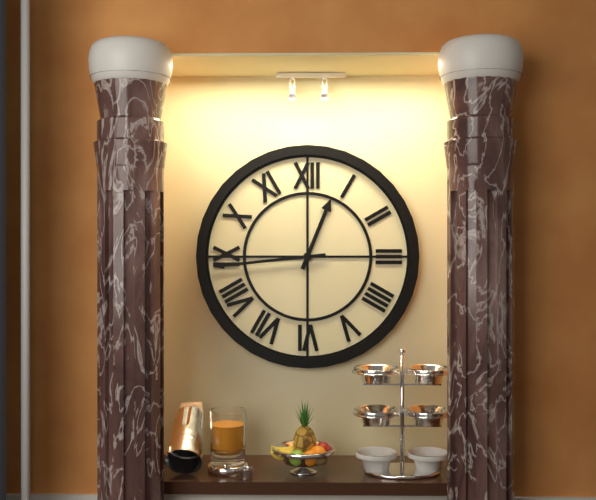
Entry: 12 h 44 min
